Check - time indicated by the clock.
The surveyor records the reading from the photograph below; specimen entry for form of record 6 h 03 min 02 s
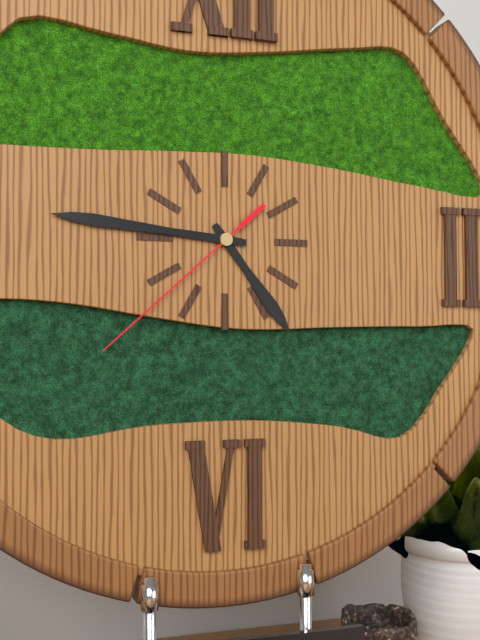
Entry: 4 h 46 min 38 s
